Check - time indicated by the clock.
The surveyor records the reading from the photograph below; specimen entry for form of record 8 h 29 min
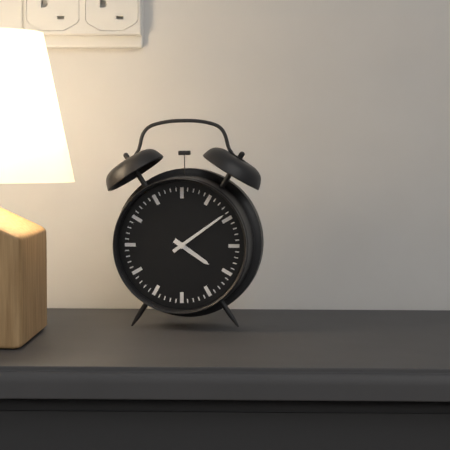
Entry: 4 h 09 min
